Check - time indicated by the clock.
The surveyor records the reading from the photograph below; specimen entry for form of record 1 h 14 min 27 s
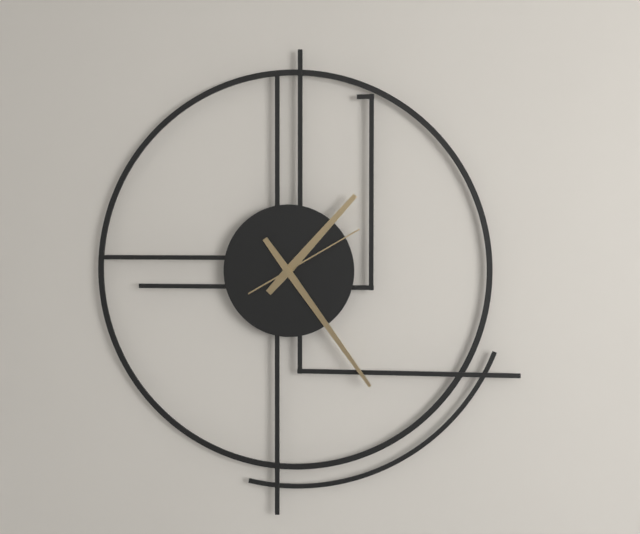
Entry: 1 h 24 min 10 s
